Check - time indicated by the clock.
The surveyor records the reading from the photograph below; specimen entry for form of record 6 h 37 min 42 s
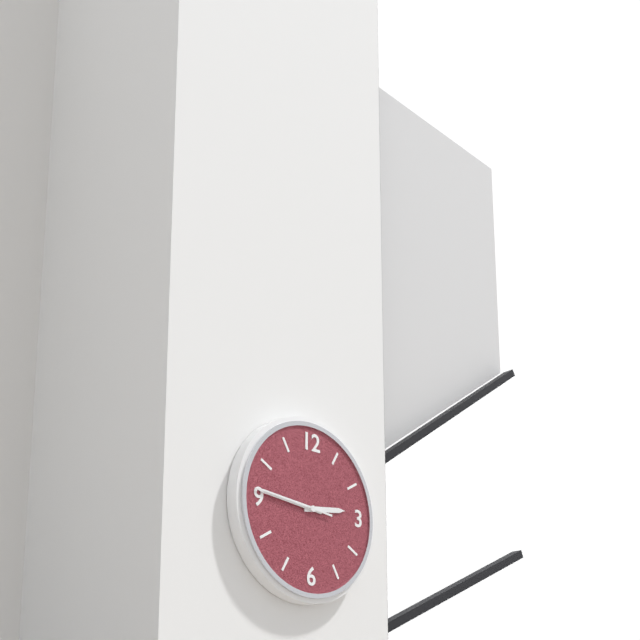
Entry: 2 h 46 min 46 s
